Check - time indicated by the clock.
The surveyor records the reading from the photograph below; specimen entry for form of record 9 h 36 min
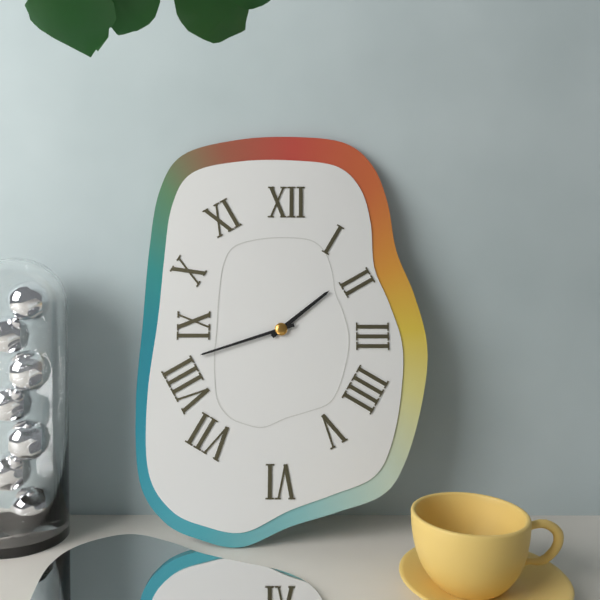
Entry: 1 h 42 min
